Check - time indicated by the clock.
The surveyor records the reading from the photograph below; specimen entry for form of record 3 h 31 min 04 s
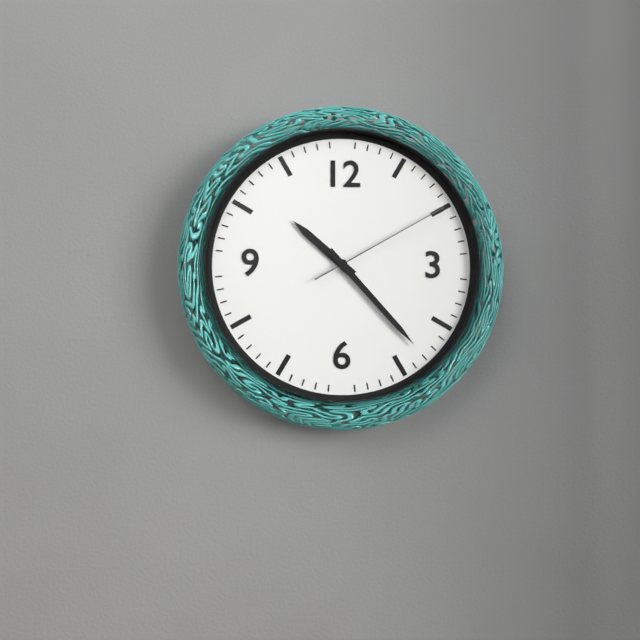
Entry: 10 h 23 min 10 s
